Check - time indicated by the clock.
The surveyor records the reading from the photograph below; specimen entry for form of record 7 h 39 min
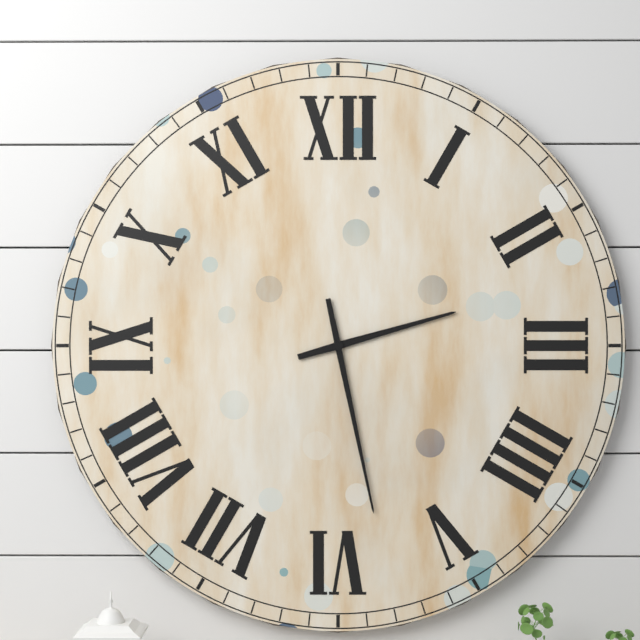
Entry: 2 h 28 min
